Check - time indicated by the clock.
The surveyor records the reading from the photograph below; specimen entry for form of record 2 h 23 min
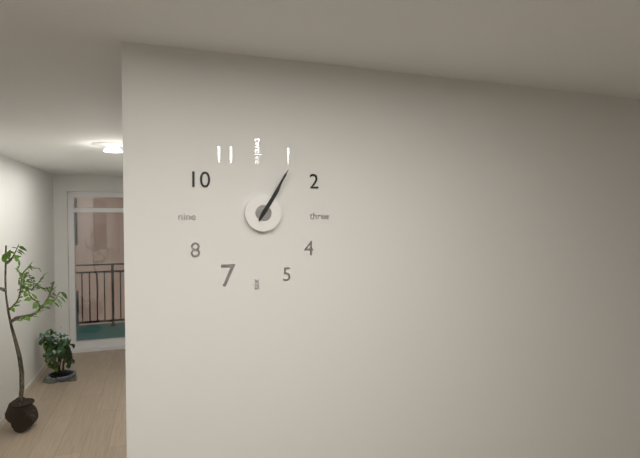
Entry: 1 h 05 min
